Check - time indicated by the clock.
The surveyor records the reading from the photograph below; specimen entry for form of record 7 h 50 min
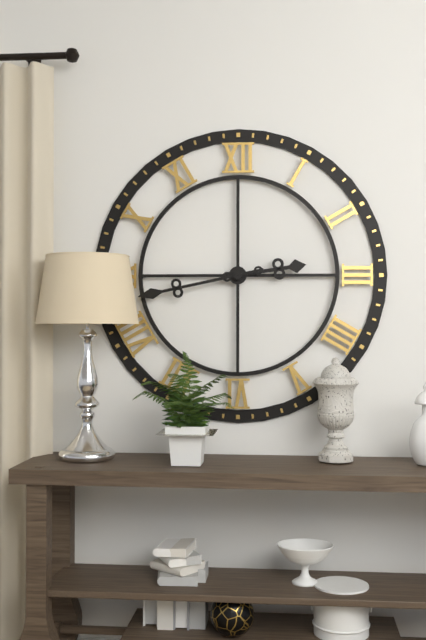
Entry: 2 h 43 min
